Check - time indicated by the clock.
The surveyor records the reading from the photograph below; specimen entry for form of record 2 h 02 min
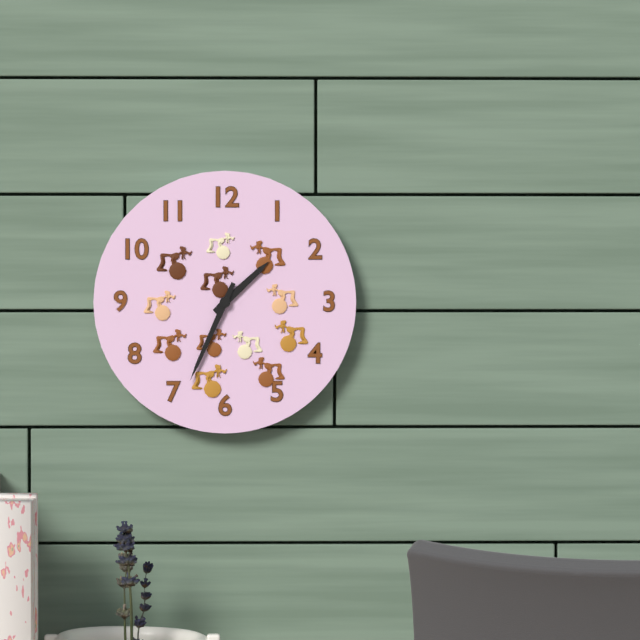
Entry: 1 h 34 min
